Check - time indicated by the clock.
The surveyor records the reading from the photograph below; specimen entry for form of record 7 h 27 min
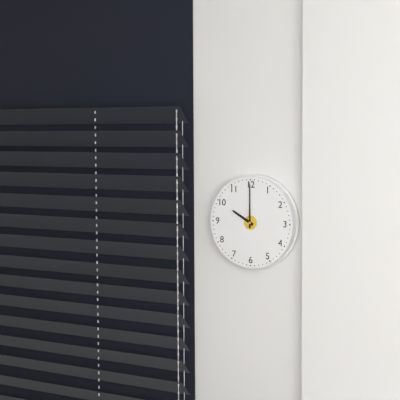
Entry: 10 h 00 min
